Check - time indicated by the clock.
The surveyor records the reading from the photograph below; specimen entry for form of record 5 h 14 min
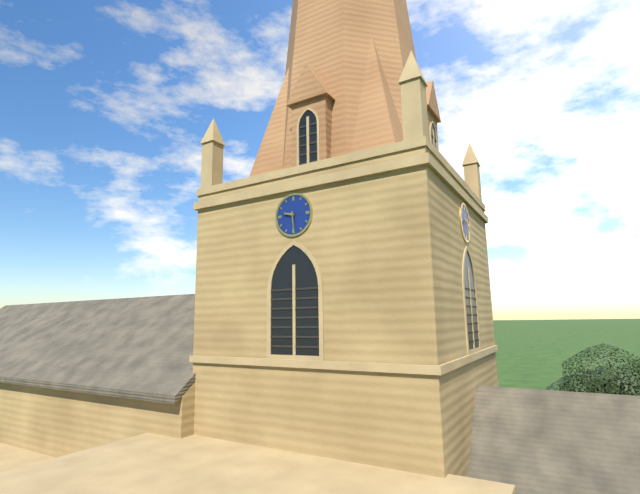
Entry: 9 h 29 min
